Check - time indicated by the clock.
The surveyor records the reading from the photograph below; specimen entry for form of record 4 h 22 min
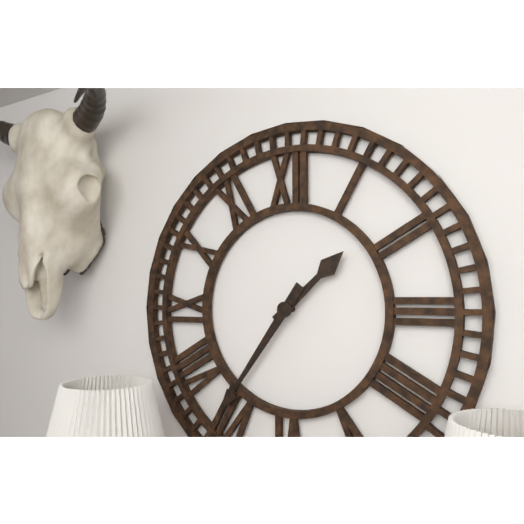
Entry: 1 h 36 min
